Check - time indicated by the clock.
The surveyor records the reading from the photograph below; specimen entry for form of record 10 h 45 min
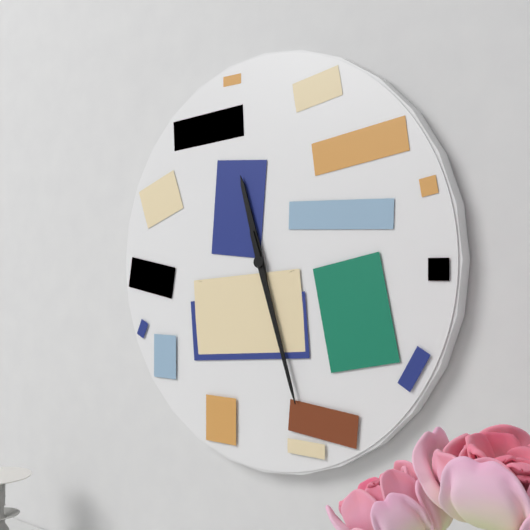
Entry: 11 h 27 min
